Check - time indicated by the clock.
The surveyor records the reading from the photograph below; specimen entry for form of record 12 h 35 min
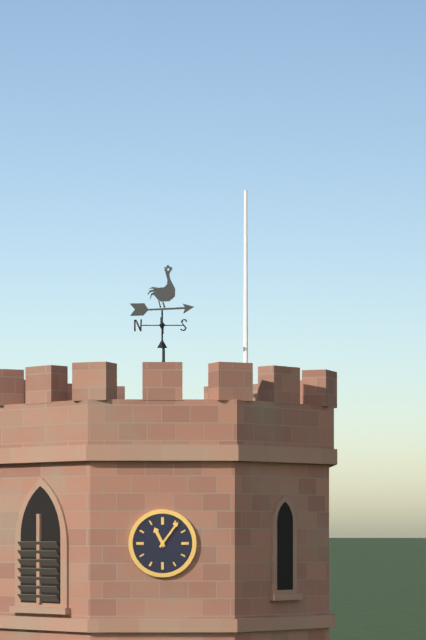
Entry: 11 h 06 min
